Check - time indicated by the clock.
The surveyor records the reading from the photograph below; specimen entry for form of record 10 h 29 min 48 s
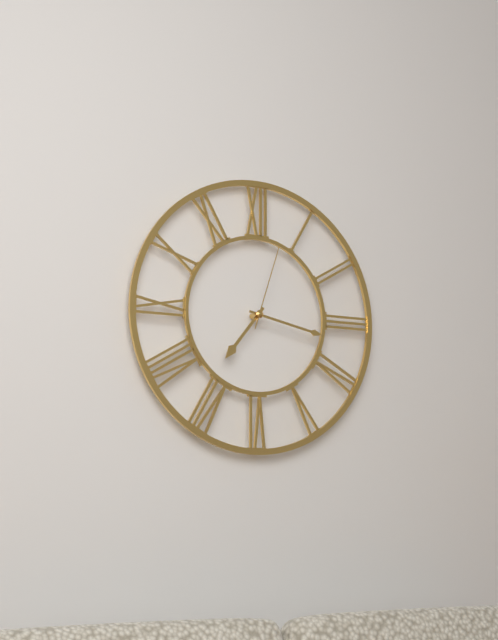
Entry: 7 h 17 min 03 s
